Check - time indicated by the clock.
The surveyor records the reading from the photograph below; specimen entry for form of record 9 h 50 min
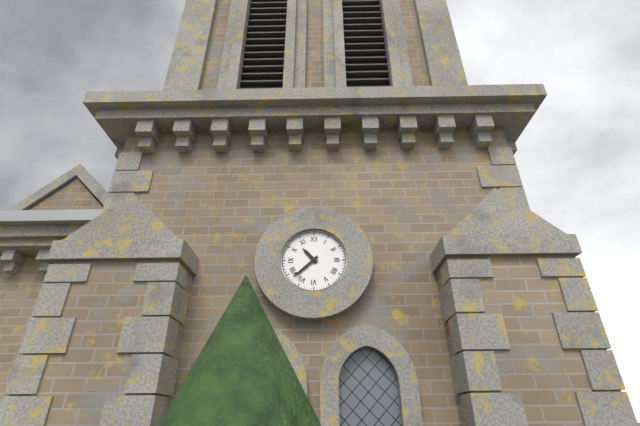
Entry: 10 h 38 min
